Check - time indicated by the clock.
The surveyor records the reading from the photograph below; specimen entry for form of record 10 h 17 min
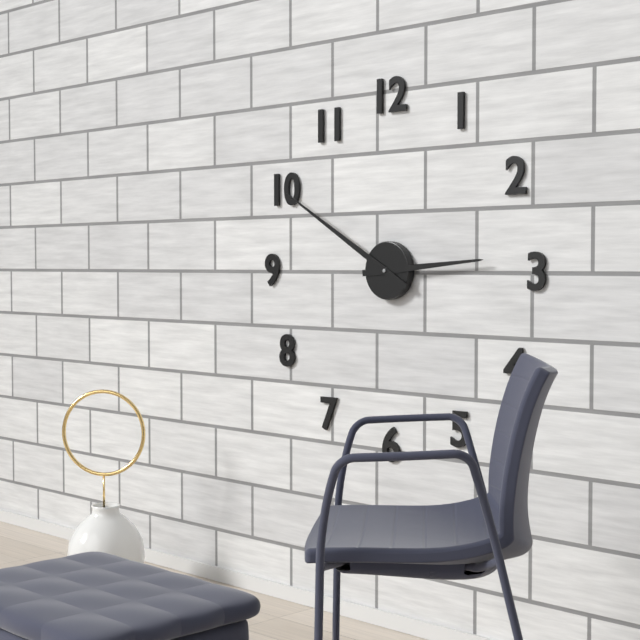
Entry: 2 h 50 min
